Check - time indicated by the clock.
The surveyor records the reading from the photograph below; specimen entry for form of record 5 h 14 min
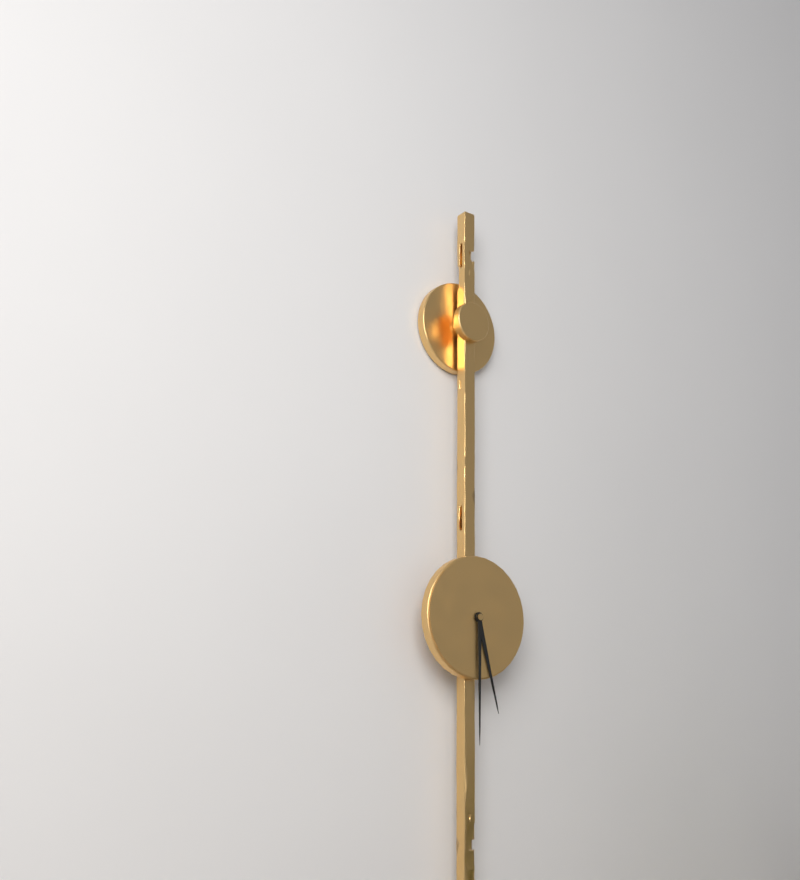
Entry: 5 h 30 min
